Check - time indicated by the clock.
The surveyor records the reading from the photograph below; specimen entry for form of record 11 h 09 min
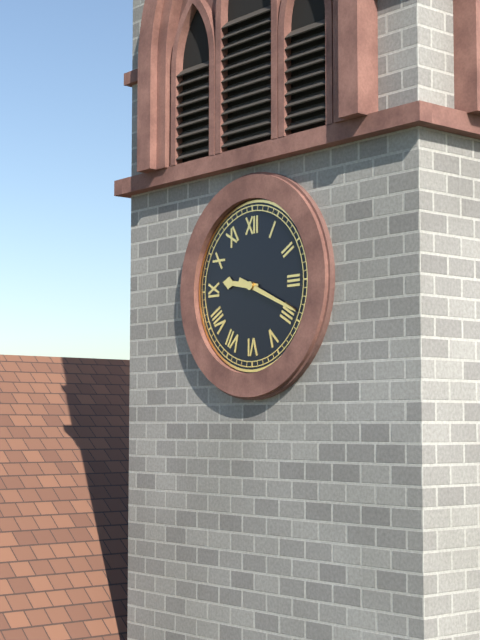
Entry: 9 h 19 min
